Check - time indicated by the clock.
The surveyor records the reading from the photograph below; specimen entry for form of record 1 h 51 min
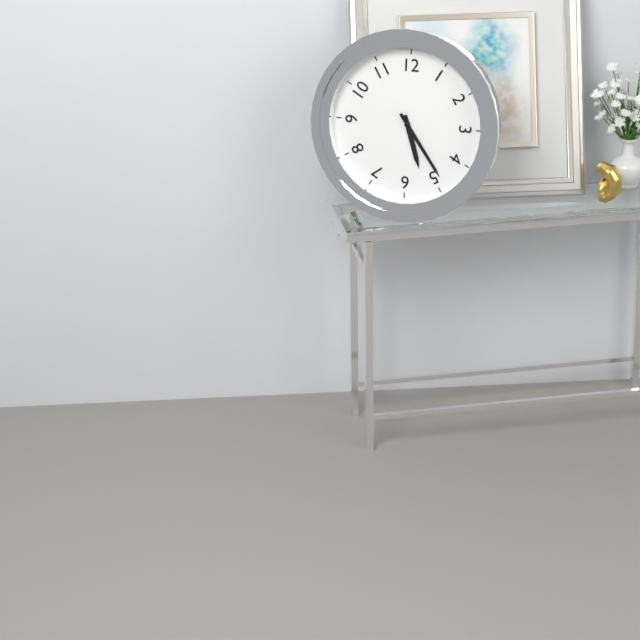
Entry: 5 h 24 min
